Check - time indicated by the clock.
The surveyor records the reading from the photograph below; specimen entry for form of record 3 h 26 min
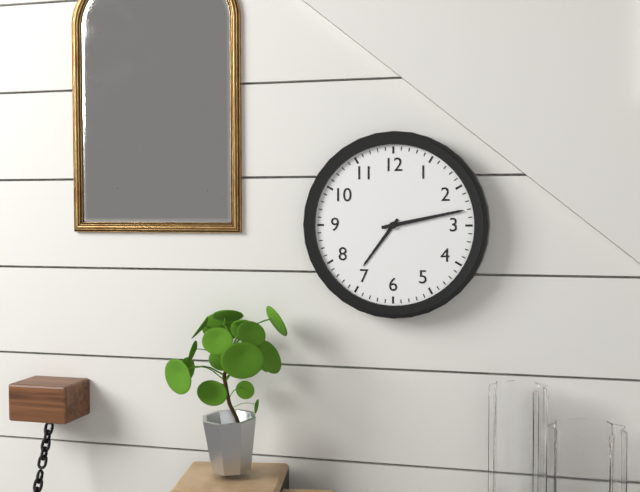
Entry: 7 h 13 min
